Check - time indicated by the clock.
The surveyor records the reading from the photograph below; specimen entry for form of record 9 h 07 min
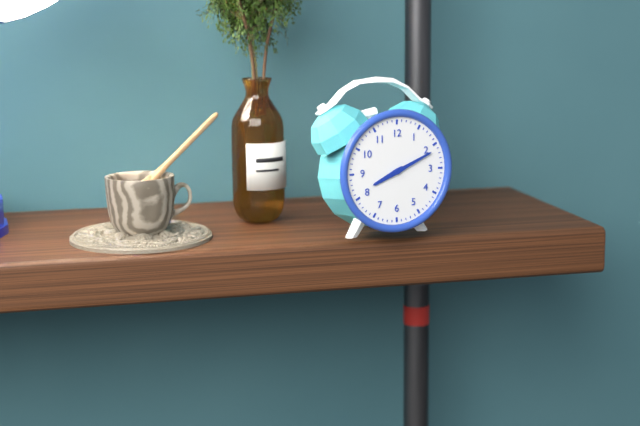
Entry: 8 h 11 min
